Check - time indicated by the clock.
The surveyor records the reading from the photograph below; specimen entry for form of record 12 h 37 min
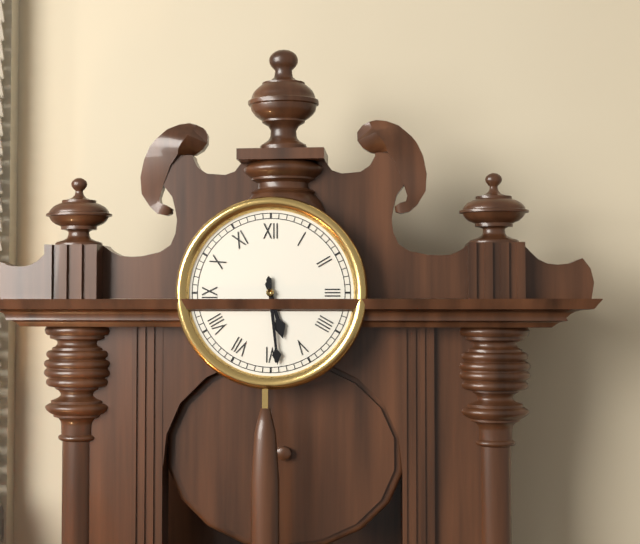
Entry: 5 h 29 min
